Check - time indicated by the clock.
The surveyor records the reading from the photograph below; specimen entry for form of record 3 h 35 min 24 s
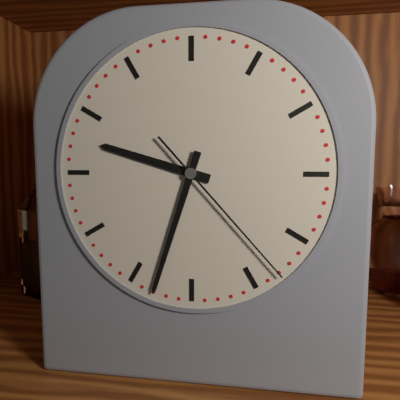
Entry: 9 h 33 min 23 s
